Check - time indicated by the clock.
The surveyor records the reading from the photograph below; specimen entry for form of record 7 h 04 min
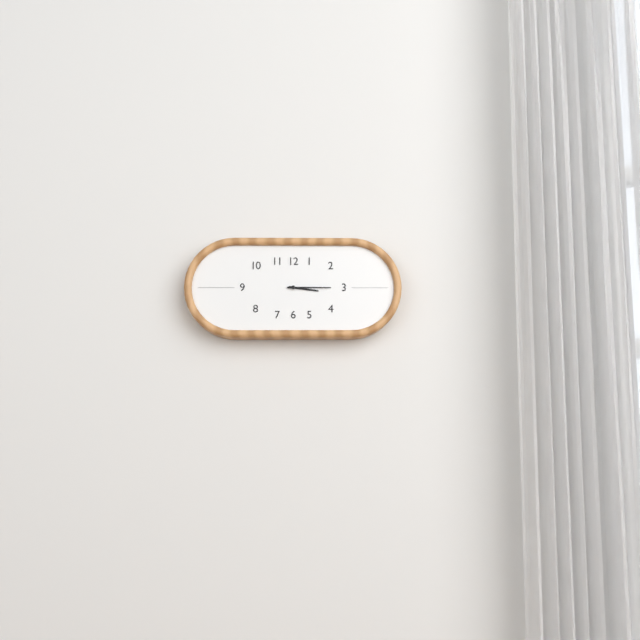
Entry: 3 h 15 min
